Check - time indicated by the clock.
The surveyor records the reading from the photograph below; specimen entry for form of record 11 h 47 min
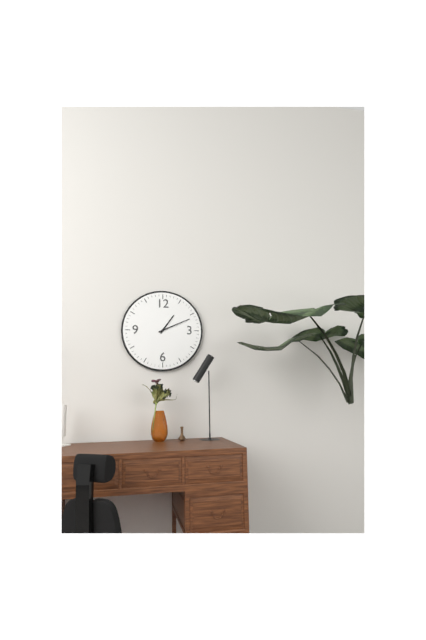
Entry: 1 h 11 min
